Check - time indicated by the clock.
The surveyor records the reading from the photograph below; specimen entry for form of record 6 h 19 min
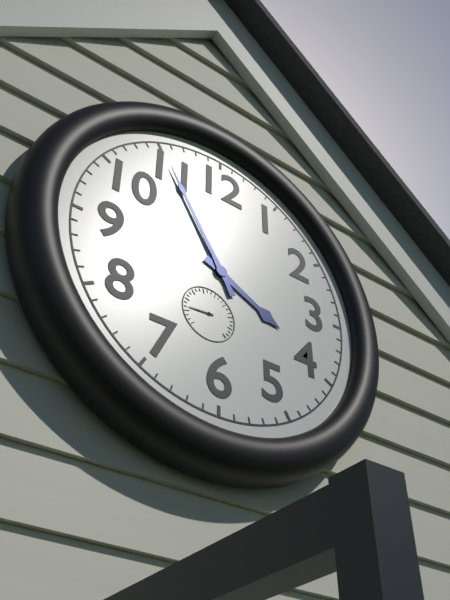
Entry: 3 h 55 min
